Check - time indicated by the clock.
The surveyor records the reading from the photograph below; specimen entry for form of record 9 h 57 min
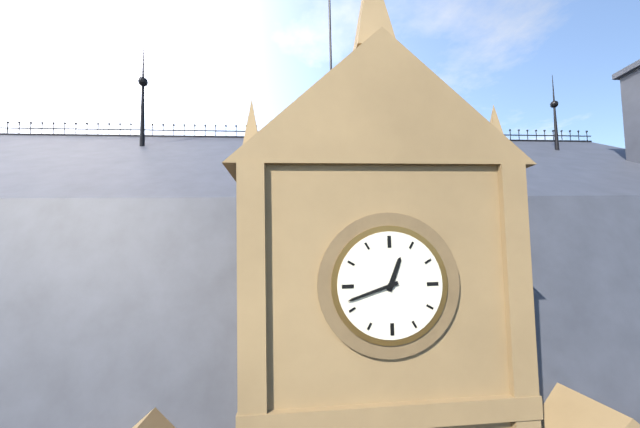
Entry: 12 h 42 min
